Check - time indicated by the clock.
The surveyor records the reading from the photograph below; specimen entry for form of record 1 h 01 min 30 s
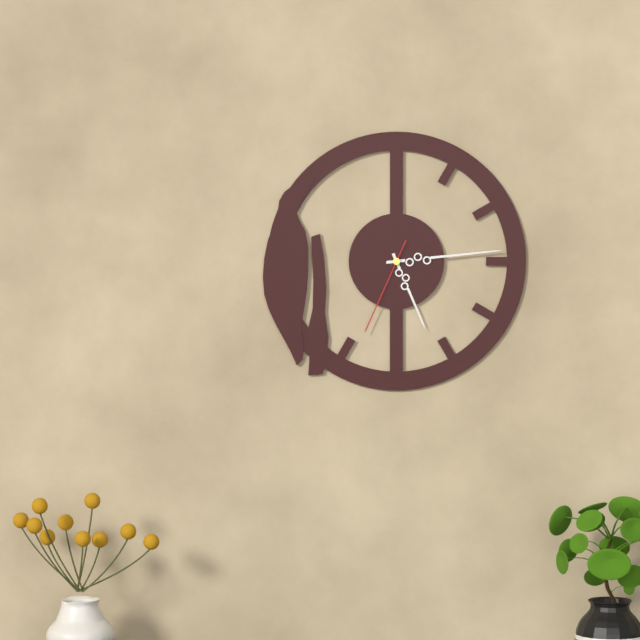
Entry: 5 h 14 min 34 s
